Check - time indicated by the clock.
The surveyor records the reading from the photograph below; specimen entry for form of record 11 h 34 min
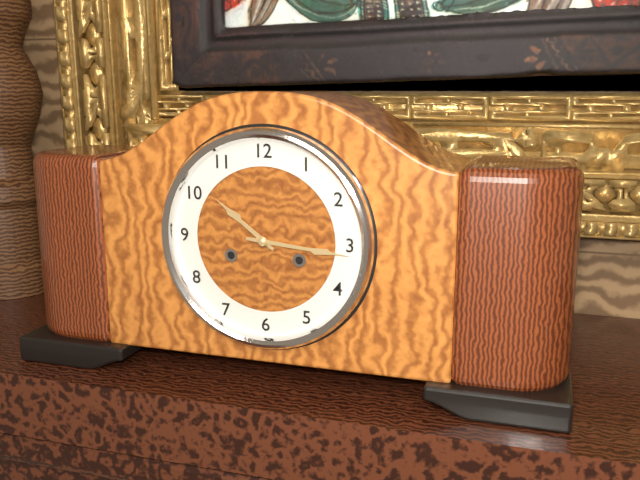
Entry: 10 h 16 min
